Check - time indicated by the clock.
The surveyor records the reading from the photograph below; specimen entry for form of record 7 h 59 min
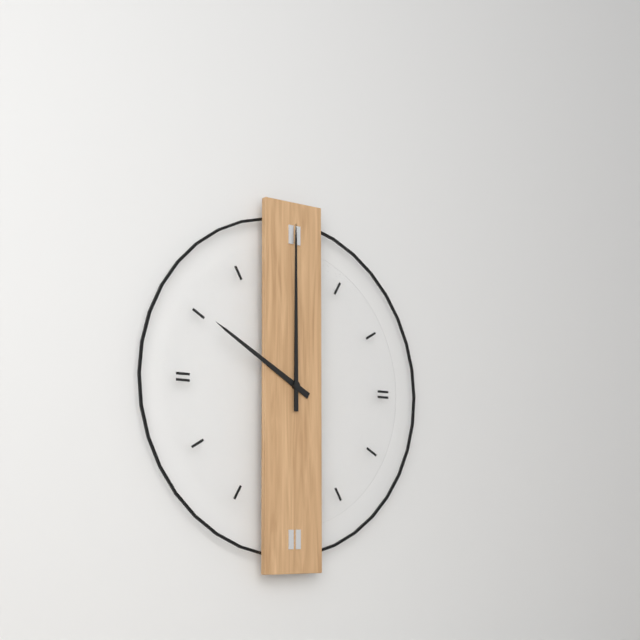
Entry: 10 h 00 min
